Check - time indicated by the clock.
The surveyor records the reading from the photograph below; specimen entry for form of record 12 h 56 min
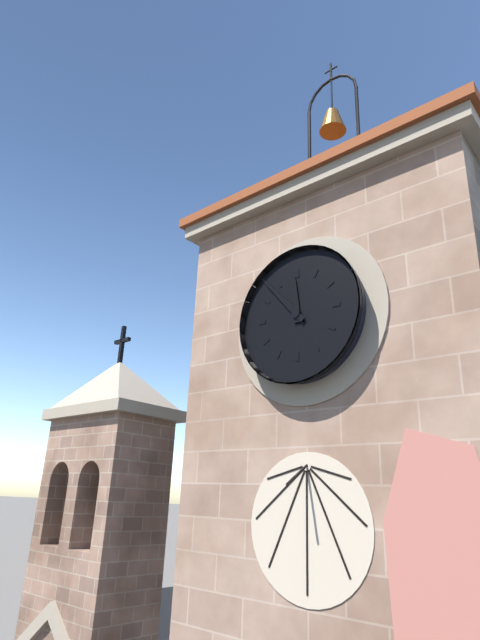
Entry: 11 h 53 min
